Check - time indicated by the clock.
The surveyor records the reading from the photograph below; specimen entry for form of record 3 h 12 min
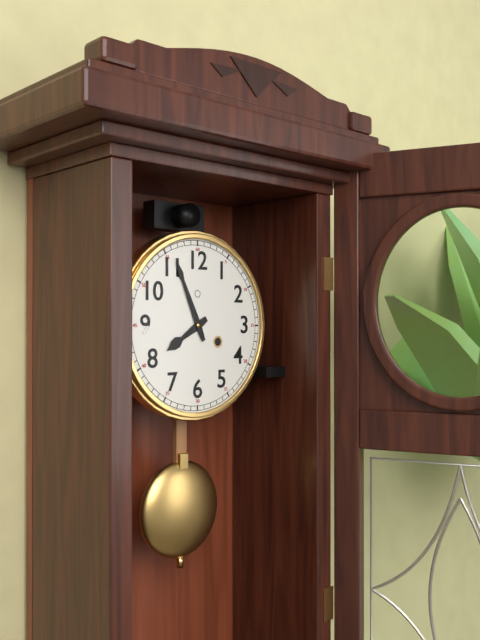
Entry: 7 h 56 min
